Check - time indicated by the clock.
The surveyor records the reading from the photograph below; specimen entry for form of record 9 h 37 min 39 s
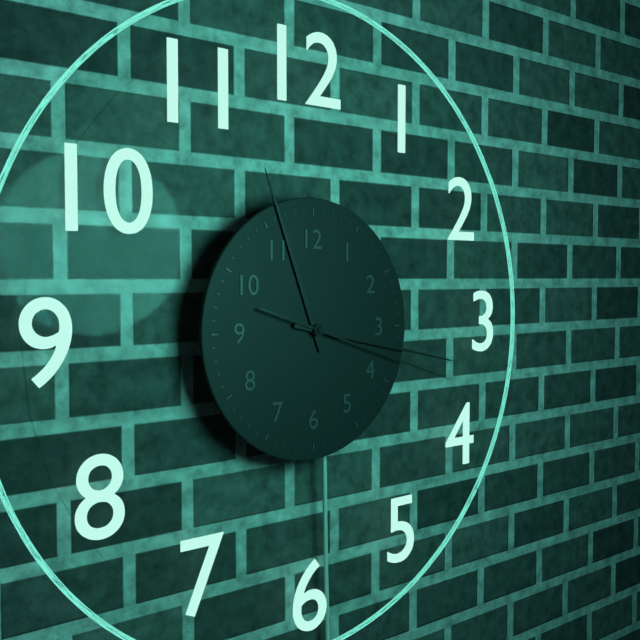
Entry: 11 h 17 min 18 s
